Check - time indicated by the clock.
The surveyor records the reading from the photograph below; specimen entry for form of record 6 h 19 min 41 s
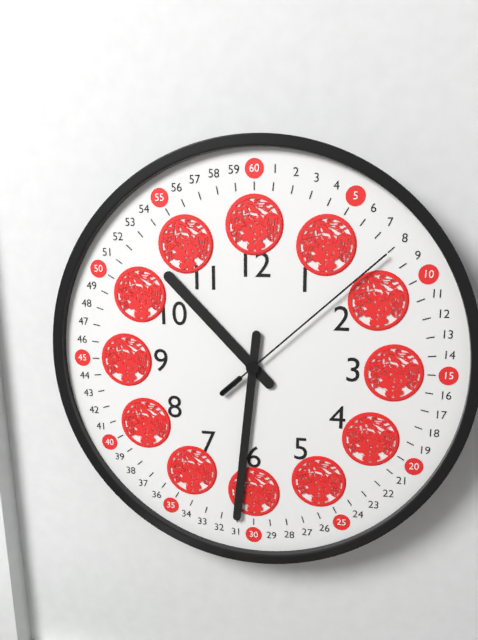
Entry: 10 h 31 min 08 s
